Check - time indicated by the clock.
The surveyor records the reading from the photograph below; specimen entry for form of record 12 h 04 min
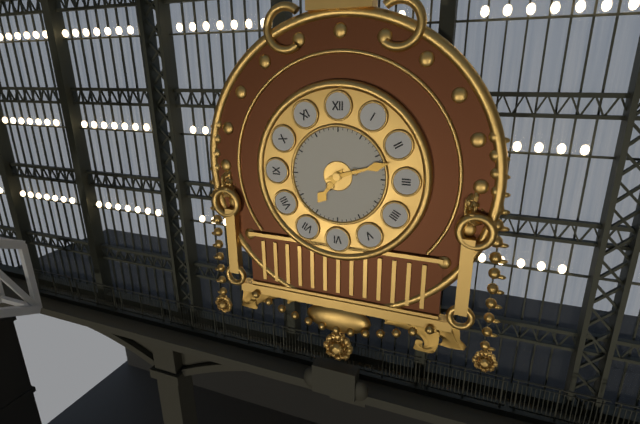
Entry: 7 h 12 min
